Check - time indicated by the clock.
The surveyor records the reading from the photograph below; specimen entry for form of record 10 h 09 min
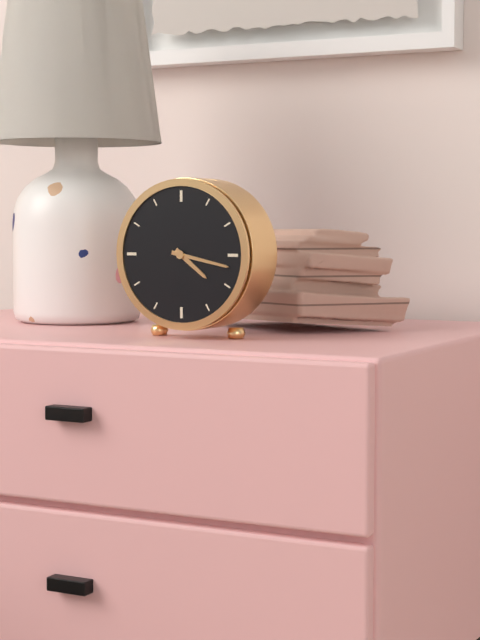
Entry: 4 h 17 min
